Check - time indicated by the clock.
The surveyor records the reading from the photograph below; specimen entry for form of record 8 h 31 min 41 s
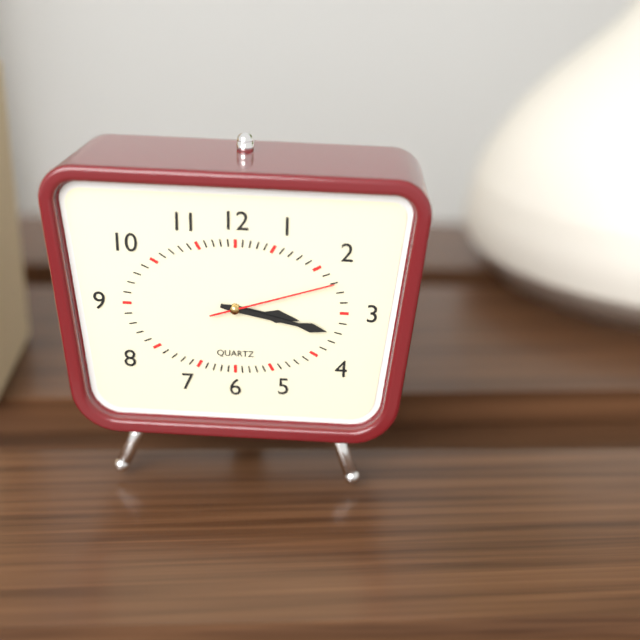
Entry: 3 h 17 min 12 s
